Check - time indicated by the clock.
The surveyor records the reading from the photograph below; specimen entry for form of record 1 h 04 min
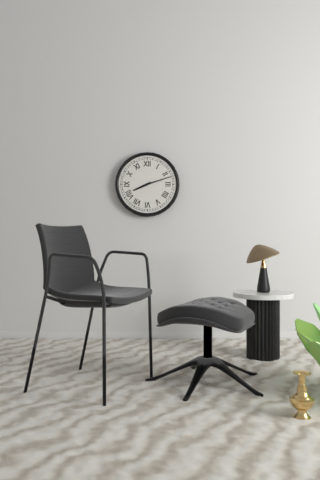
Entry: 8 h 12 min
